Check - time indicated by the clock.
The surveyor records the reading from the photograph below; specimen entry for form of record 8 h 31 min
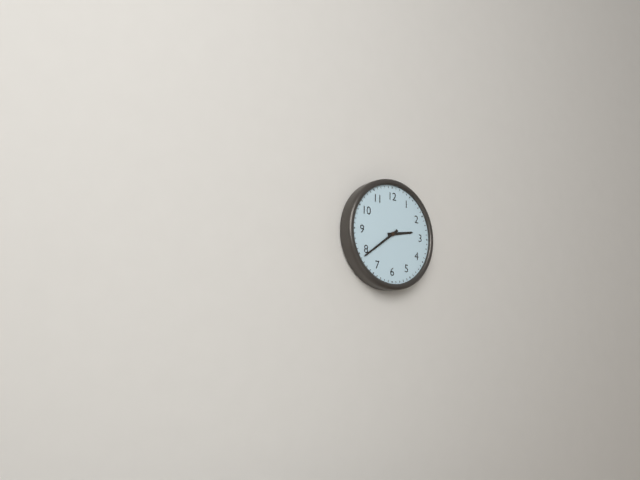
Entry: 2 h 39 min
